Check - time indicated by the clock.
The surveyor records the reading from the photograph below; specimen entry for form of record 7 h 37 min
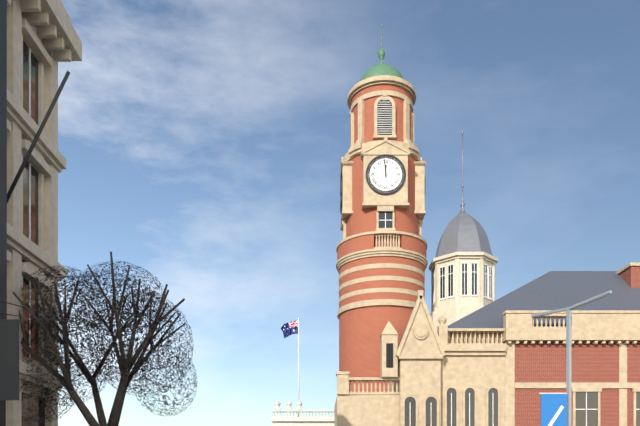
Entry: 11 h 59 min
